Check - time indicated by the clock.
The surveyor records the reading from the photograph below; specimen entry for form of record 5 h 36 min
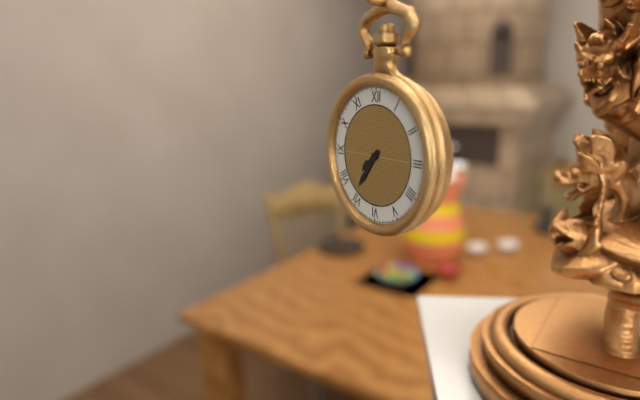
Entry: 7 h 36 min
